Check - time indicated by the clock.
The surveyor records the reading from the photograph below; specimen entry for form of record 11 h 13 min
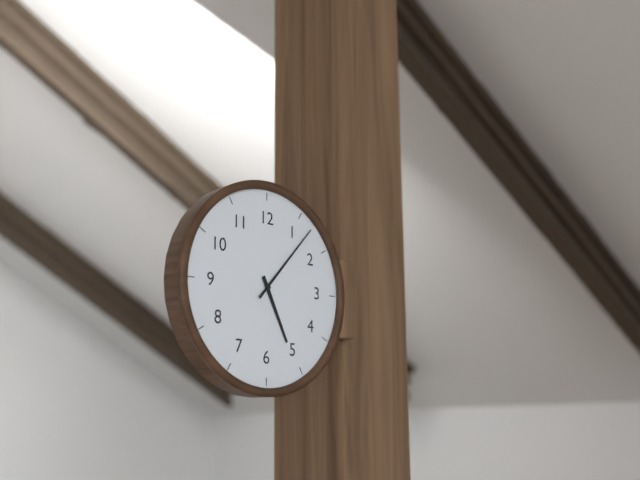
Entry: 5 h 07 min
